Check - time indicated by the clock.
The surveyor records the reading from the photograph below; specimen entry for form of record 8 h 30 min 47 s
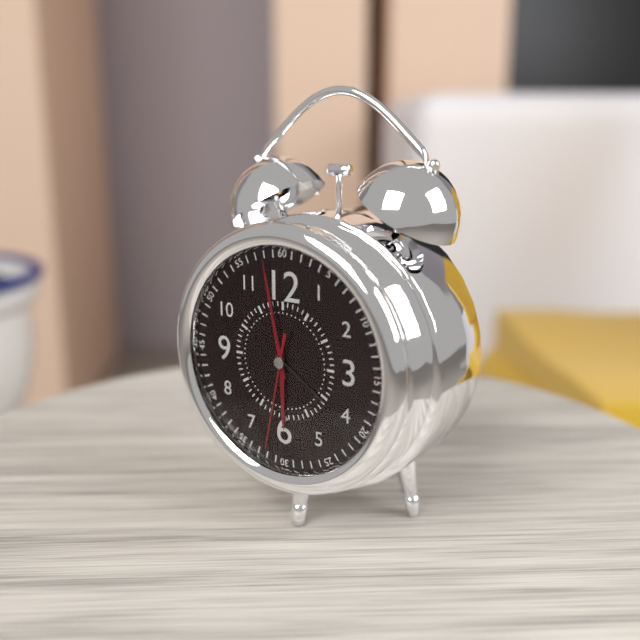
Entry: 5 h 58 min 32 s
